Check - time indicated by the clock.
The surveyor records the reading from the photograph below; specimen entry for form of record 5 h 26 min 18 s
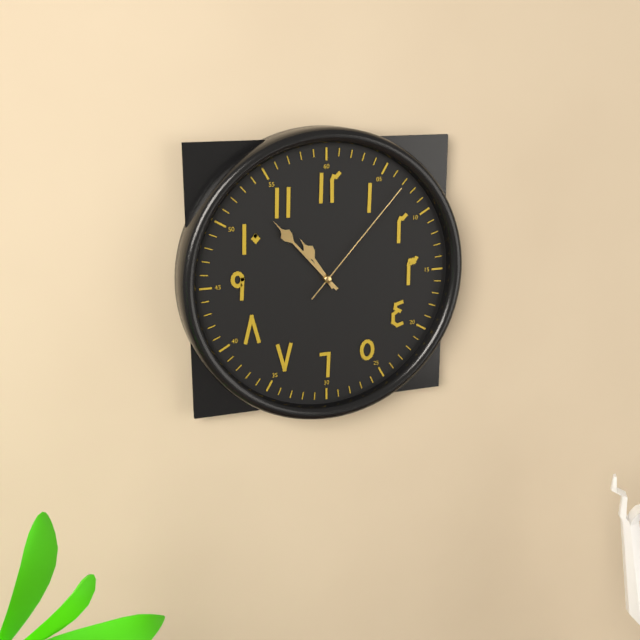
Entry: 10 h 53 min 07 s
